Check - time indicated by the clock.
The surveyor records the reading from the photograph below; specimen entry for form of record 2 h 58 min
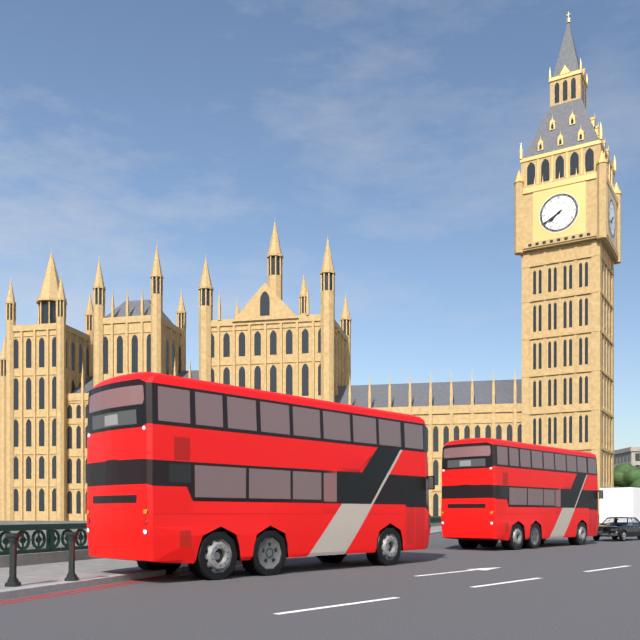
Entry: 7 h 40 min
